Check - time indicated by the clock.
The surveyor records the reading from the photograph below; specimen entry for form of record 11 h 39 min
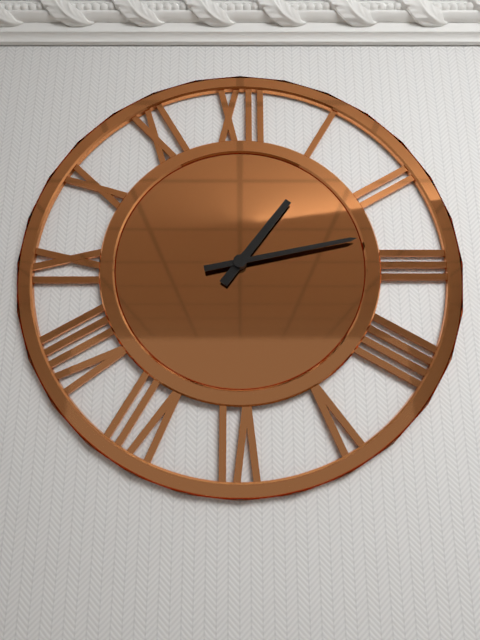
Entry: 1 h 13 min
